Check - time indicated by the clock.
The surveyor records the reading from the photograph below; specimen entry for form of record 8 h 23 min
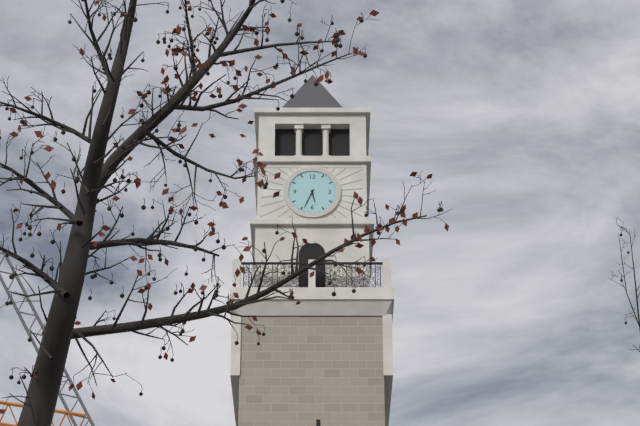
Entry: 5 h 34 min
